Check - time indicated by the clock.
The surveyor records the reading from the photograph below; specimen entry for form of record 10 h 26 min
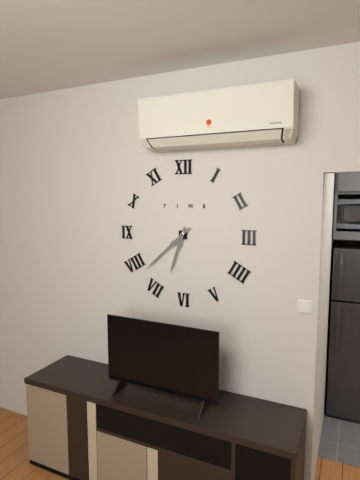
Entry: 6 h 38 min
